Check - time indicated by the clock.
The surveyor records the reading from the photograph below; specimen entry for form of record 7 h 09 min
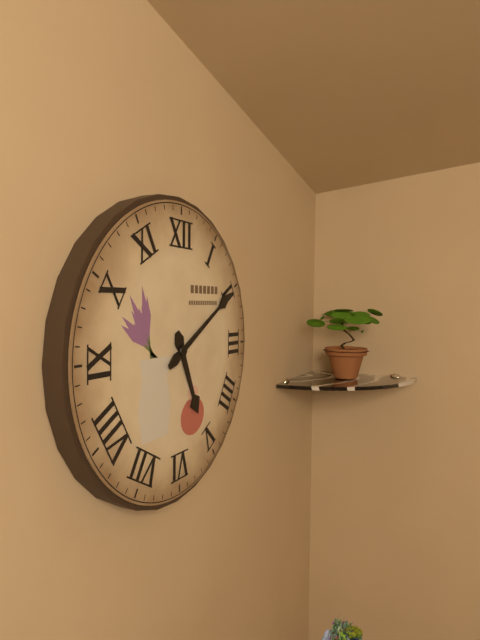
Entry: 5 h 10 min
